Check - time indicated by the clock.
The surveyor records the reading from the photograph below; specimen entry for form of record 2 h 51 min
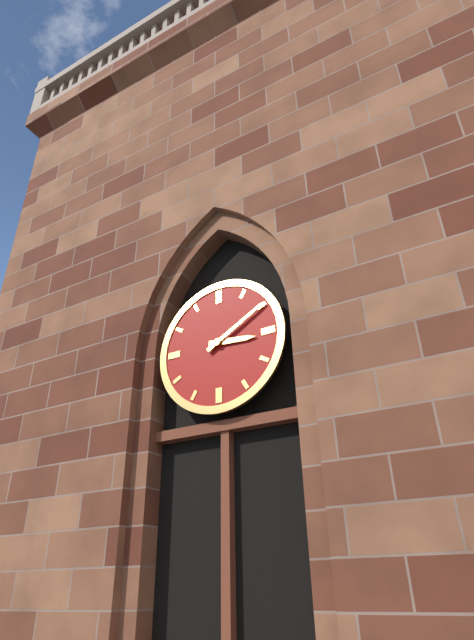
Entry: 3 h 10 min
